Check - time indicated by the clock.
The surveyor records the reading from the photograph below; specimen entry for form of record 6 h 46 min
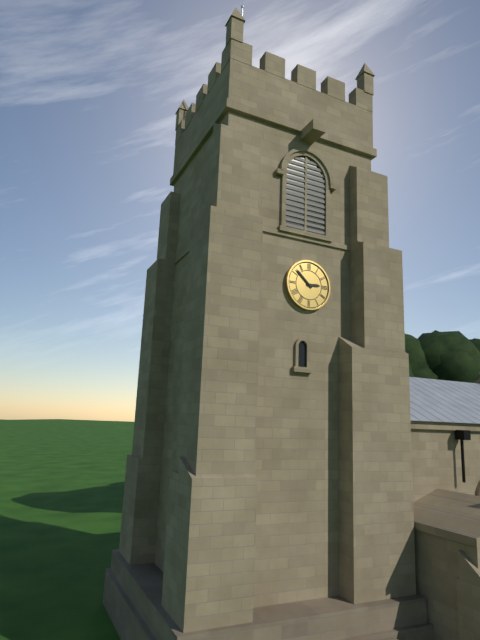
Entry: 2 h 52 min
